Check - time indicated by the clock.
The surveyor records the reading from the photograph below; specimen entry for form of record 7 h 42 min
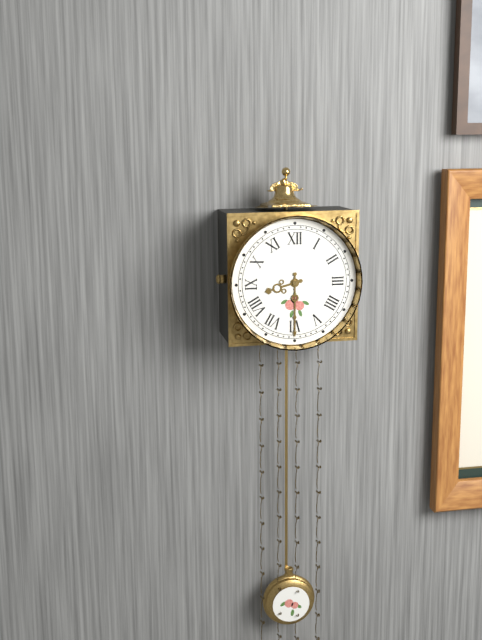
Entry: 8 h 30 min
